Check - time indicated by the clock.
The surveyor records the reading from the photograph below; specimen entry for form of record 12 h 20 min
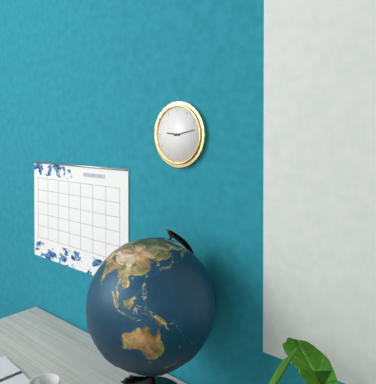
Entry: 9 h 13 min
